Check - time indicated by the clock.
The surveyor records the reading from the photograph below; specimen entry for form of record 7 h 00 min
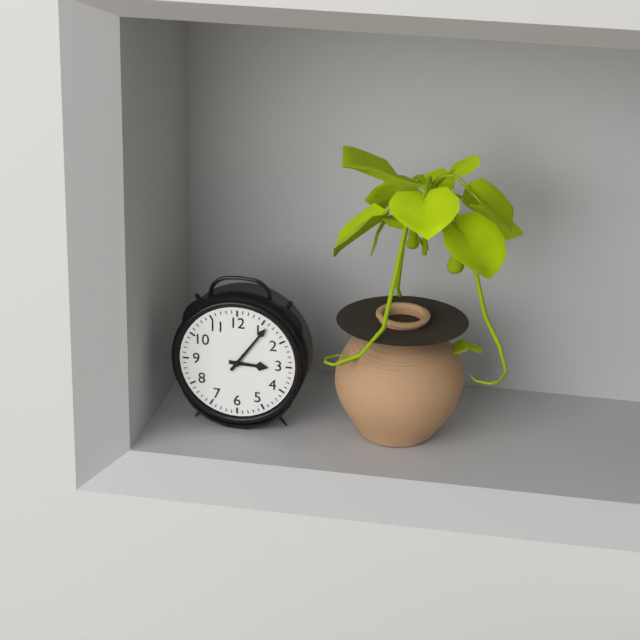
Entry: 3 h 06 min
